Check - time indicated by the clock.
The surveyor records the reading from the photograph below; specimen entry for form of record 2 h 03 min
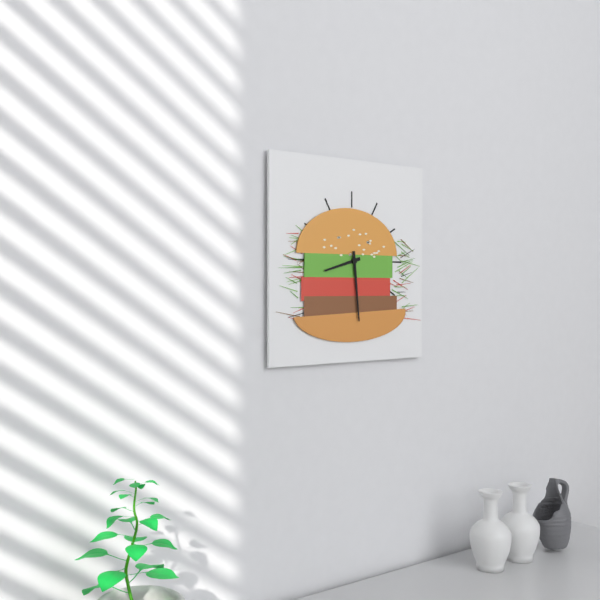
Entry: 8 h 29 min
